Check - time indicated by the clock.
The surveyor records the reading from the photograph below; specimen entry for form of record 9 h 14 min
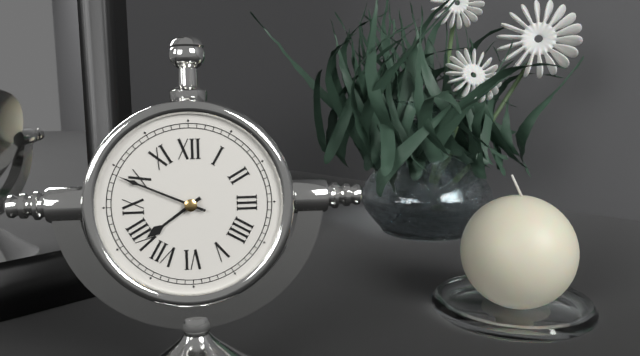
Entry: 7 h 49 min
